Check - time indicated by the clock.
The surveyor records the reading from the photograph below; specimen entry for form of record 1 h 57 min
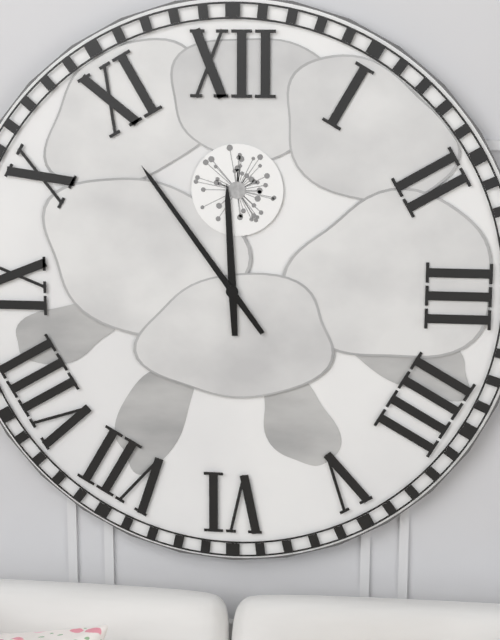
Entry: 11 h 54 min
